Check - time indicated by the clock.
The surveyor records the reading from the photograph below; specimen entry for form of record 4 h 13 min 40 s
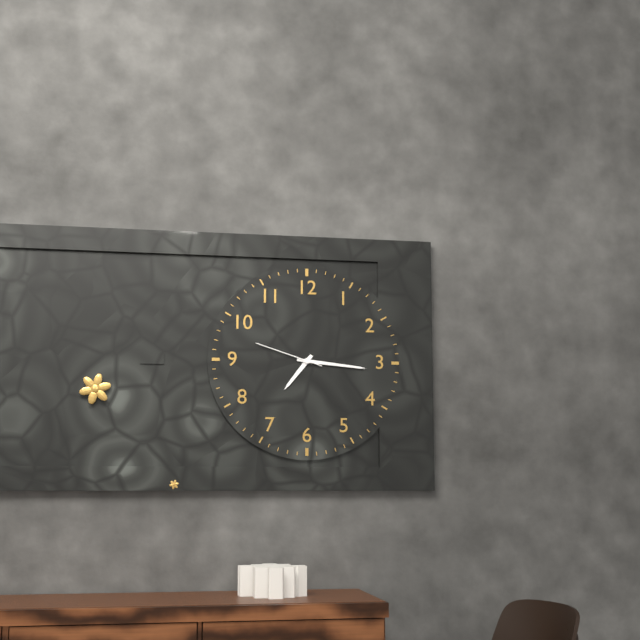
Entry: 7 h 16 min 48 s
